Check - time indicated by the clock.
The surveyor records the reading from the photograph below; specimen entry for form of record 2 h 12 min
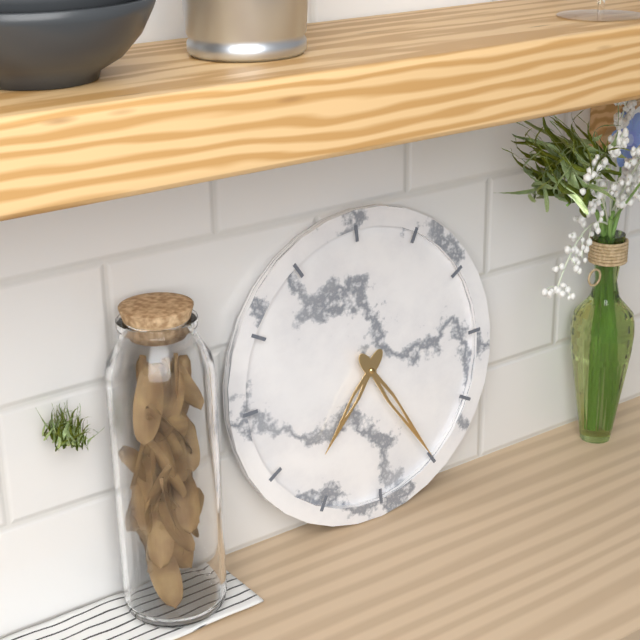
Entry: 7 h 25 min
